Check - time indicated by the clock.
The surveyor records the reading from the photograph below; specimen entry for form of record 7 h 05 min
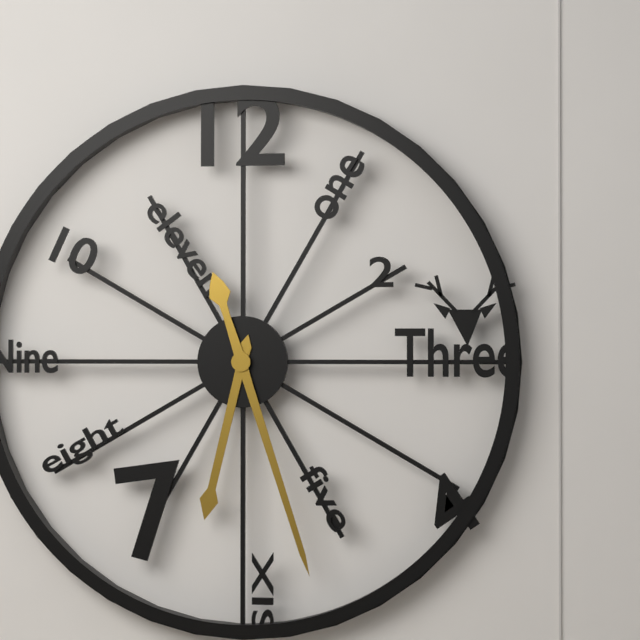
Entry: 6 h 27 min
